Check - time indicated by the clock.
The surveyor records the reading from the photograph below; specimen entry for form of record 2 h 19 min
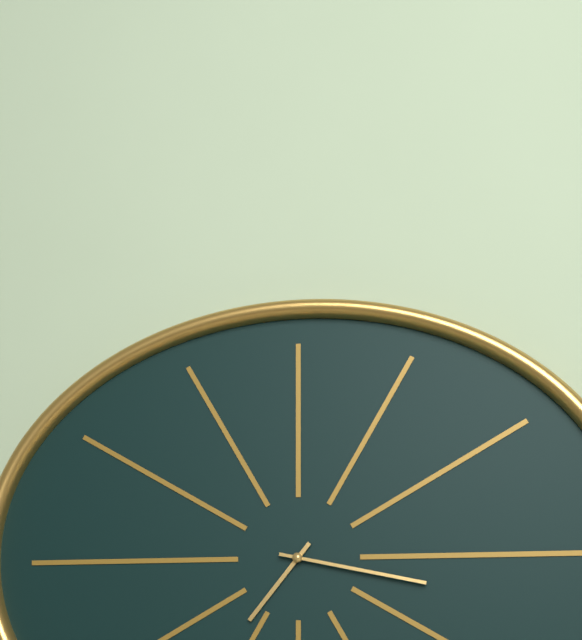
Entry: 7 h 17 min
